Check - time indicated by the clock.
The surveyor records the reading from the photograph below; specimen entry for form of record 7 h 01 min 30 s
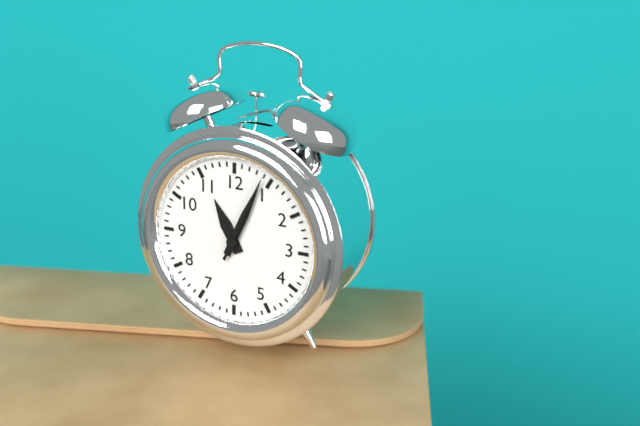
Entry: 11 h 04 min 04 s
